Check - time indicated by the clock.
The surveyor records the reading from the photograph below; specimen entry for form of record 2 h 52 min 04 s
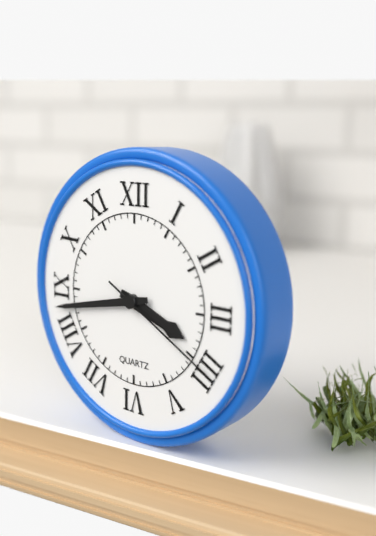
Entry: 3 h 43 min 20 s
